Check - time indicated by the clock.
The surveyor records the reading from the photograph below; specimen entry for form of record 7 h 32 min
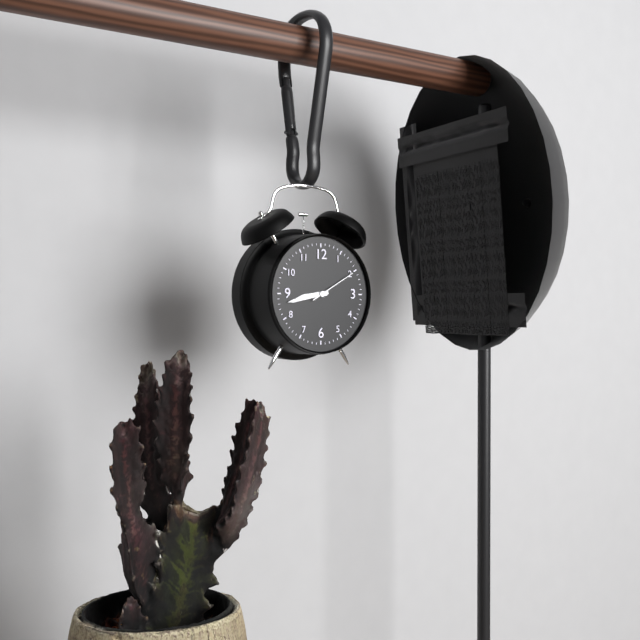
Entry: 8 h 43 min
